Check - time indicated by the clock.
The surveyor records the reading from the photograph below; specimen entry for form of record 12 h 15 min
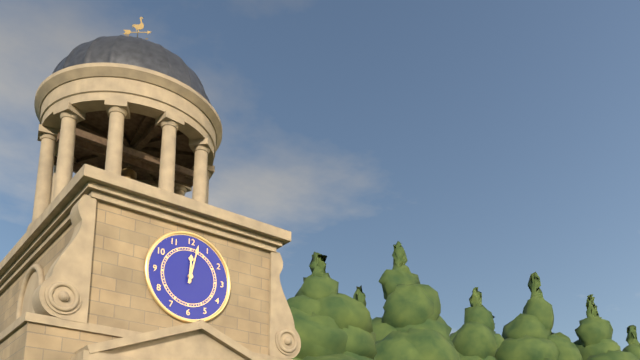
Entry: 12 h 02 min
